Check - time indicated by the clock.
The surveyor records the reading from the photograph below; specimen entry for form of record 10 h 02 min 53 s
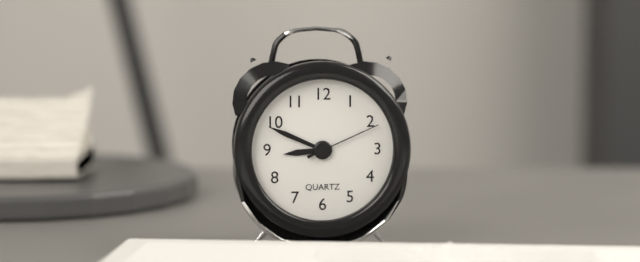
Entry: 8 h 49 min 11 s
